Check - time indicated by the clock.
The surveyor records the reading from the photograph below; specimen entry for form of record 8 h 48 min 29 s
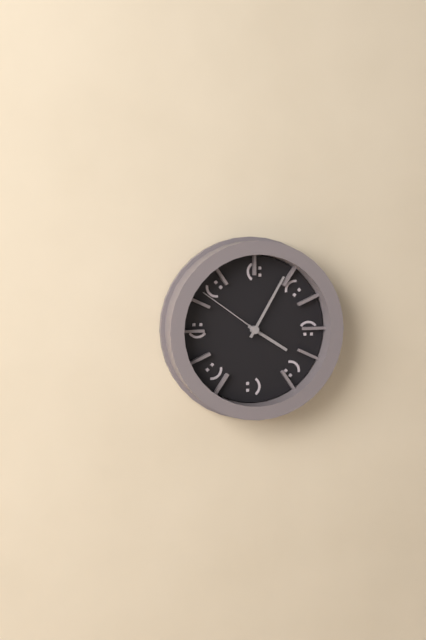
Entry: 4 h 05 min 51 s
